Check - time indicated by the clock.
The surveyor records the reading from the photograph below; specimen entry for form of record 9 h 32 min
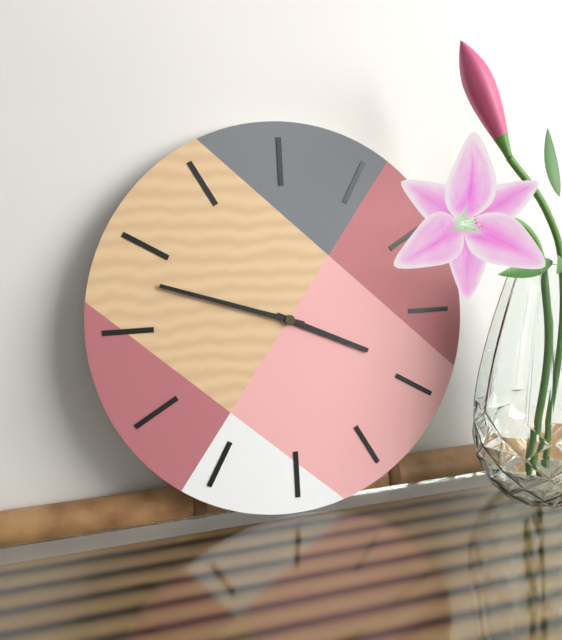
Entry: 3 h 48 min
